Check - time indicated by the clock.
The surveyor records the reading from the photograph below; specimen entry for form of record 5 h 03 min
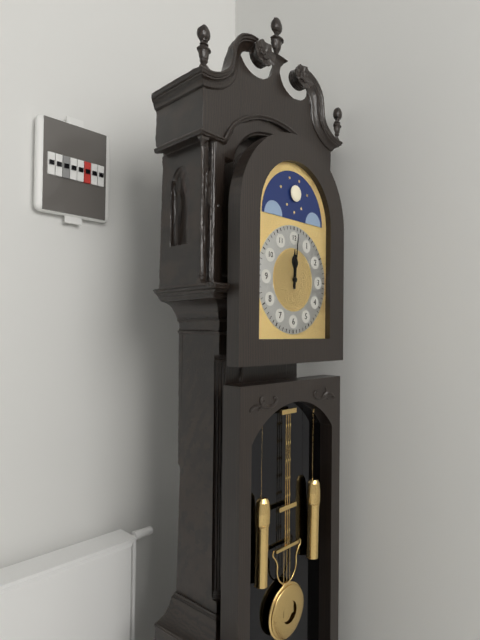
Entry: 12 h 01 min
